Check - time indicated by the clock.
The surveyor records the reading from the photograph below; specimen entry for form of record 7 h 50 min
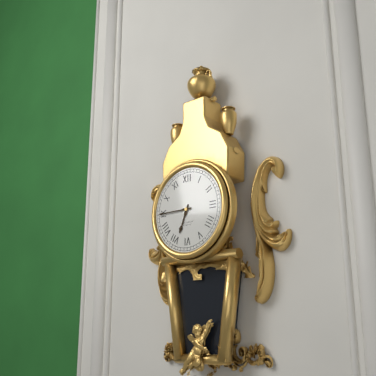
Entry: 6 h 45 min
